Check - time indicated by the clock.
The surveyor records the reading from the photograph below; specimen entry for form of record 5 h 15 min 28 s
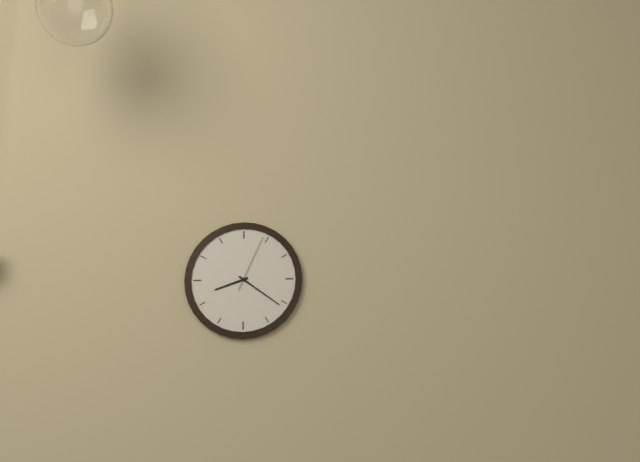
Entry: 8 h 21 min 04 s
